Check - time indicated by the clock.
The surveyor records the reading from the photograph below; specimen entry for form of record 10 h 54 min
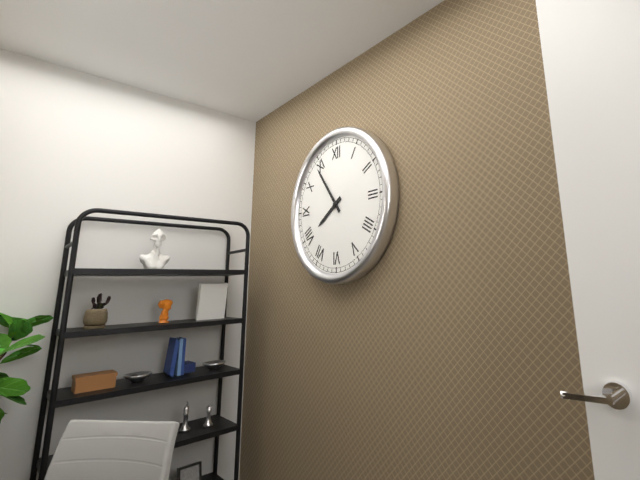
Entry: 7 h 54 min
